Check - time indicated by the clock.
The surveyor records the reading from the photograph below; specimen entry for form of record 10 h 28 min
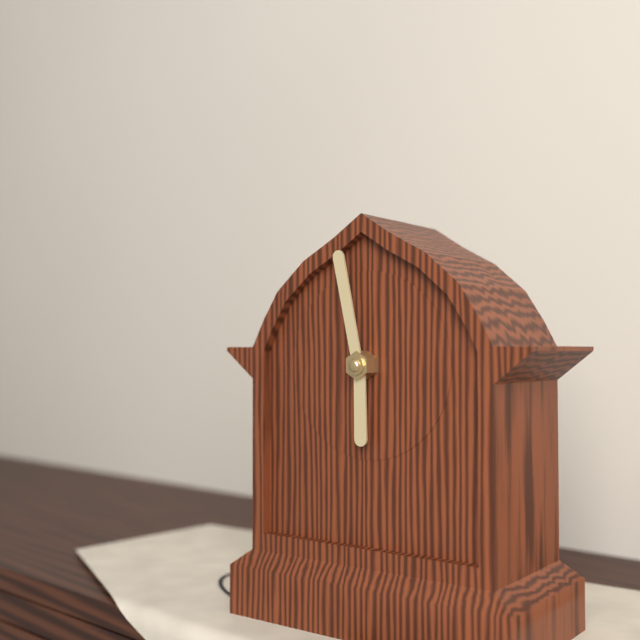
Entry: 5 h 58 min
